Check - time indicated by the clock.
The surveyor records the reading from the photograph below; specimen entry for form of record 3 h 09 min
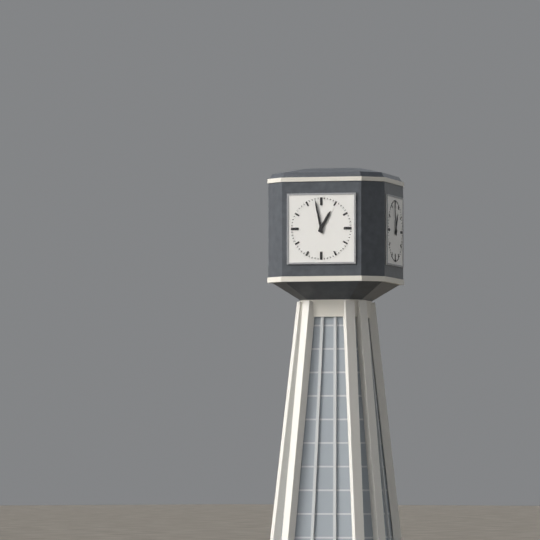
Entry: 12 h 58 min
